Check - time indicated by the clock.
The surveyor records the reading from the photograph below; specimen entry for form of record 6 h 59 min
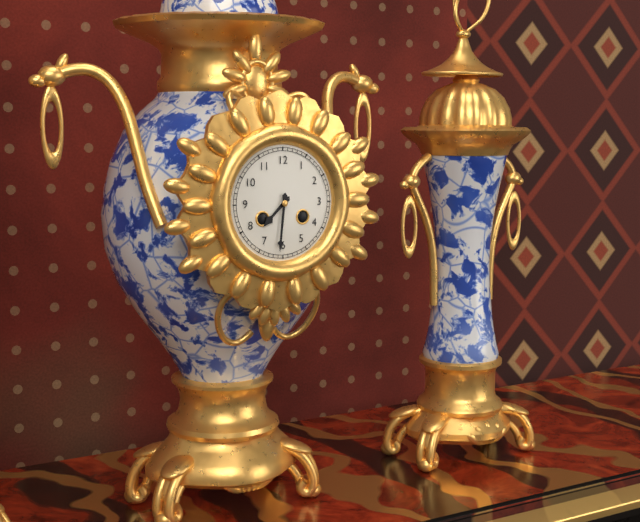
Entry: 7 h 31 min
